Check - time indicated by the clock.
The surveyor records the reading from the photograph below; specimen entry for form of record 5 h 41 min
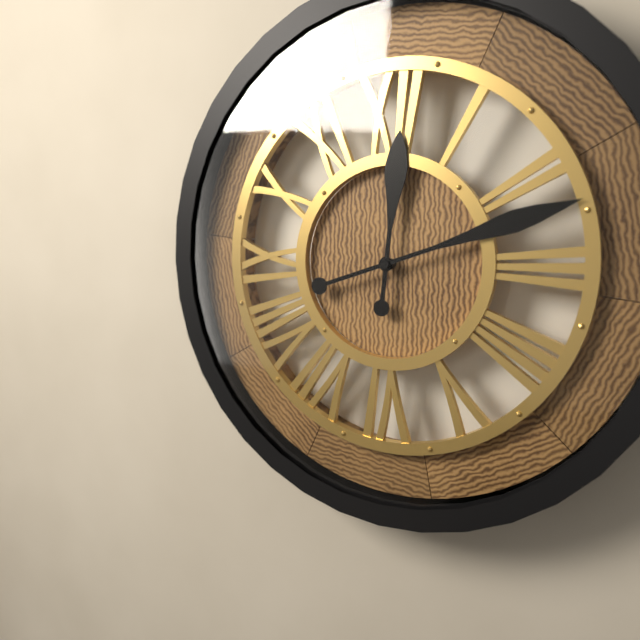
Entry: 12 h 12 min
